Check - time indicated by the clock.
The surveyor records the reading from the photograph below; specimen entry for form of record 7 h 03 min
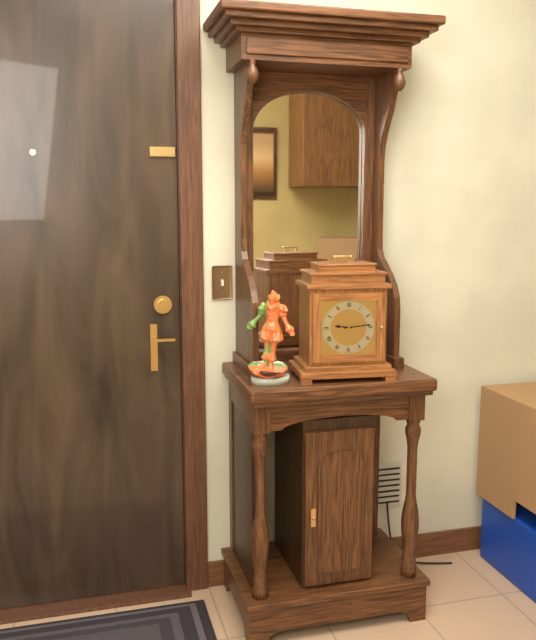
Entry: 9 h 14 min
